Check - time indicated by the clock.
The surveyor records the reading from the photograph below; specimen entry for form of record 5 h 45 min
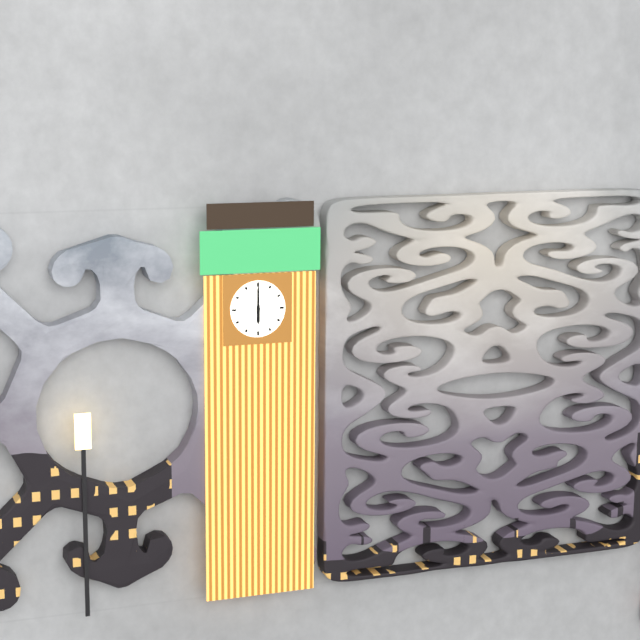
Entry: 6 h 00 min
